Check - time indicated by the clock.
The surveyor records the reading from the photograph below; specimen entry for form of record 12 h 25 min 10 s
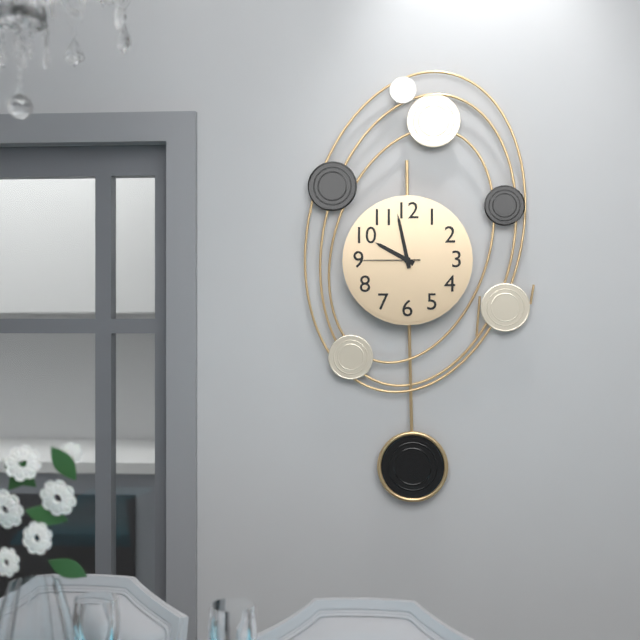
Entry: 9 h 58 min 45 s
